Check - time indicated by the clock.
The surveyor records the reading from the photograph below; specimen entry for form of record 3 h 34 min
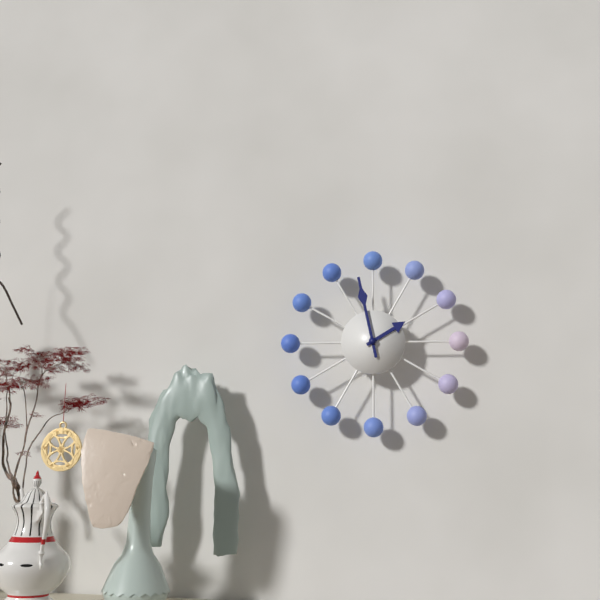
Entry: 1 h 58 min
